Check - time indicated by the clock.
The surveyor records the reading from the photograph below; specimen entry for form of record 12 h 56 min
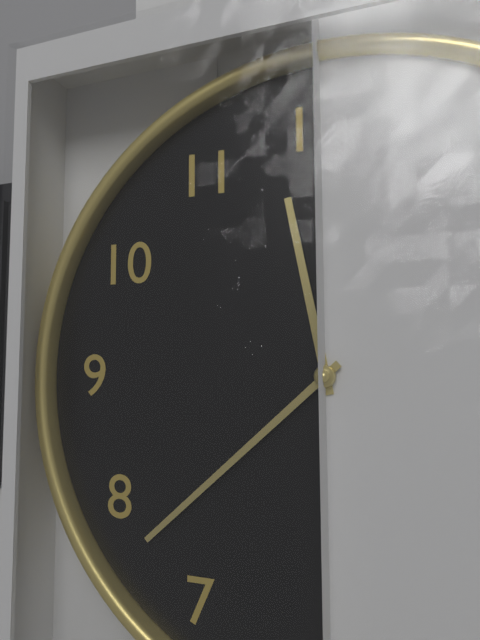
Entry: 11 h 38 min
